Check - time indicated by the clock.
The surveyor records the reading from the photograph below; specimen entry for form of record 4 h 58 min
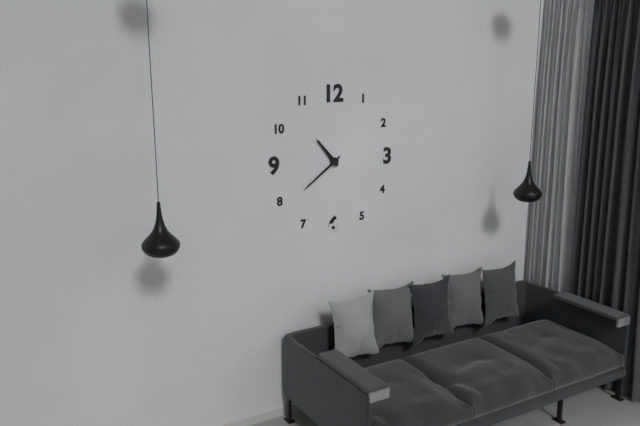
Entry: 10 h 39 min
